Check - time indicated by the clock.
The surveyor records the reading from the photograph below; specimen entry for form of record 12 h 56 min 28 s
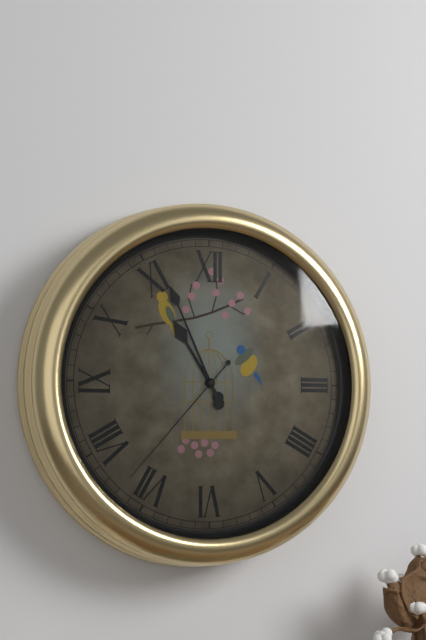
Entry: 10 h 56 min 37 s
